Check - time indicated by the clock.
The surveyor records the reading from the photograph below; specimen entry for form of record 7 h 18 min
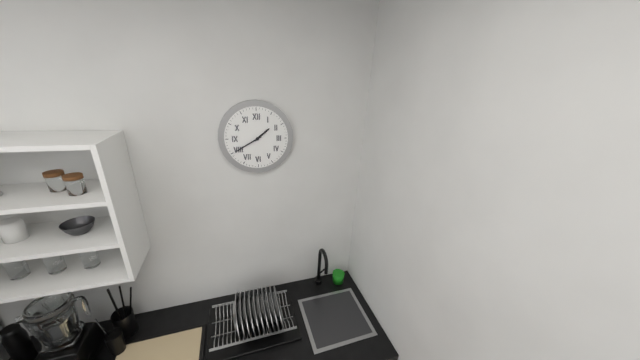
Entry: 1 h 40 min
